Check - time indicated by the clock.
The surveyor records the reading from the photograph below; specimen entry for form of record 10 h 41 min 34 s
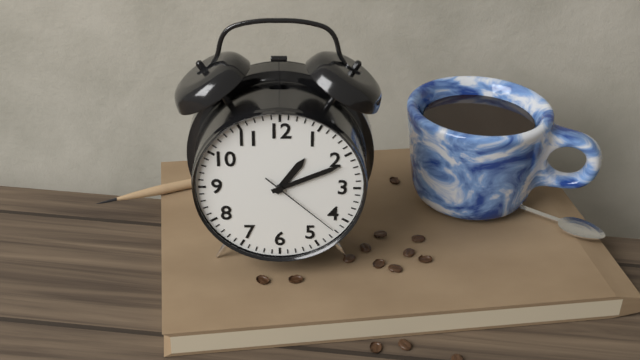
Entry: 1 h 11 min 22 s
